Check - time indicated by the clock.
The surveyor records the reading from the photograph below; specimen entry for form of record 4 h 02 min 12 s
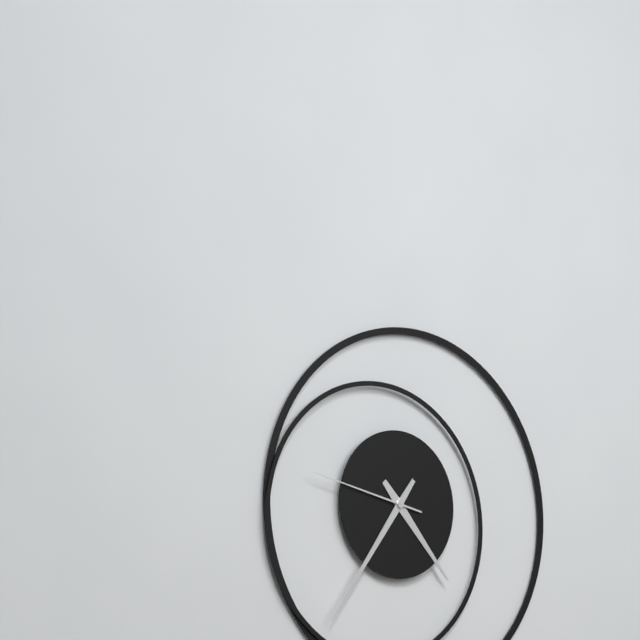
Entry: 4 h 36 min 47 s
